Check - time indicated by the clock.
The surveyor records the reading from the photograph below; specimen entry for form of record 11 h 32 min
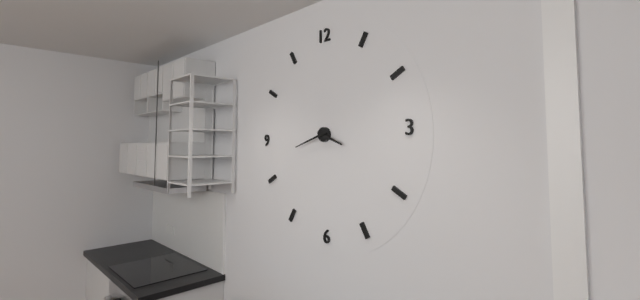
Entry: 3 h 42 min
